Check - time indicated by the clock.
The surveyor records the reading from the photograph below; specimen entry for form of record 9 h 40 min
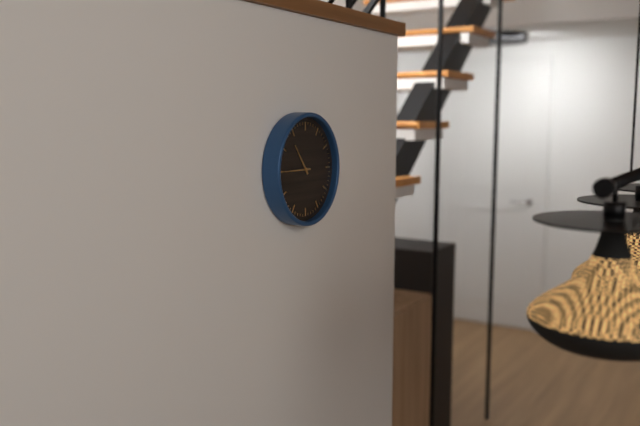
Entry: 10 h 45 min
